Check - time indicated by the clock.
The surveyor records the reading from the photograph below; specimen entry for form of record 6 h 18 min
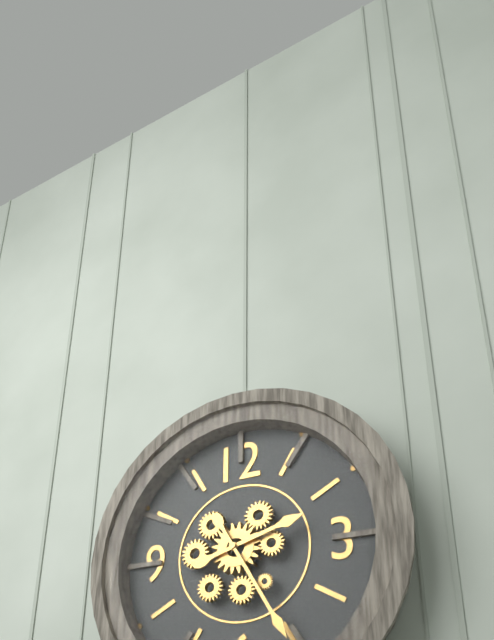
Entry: 2 h 25 min
